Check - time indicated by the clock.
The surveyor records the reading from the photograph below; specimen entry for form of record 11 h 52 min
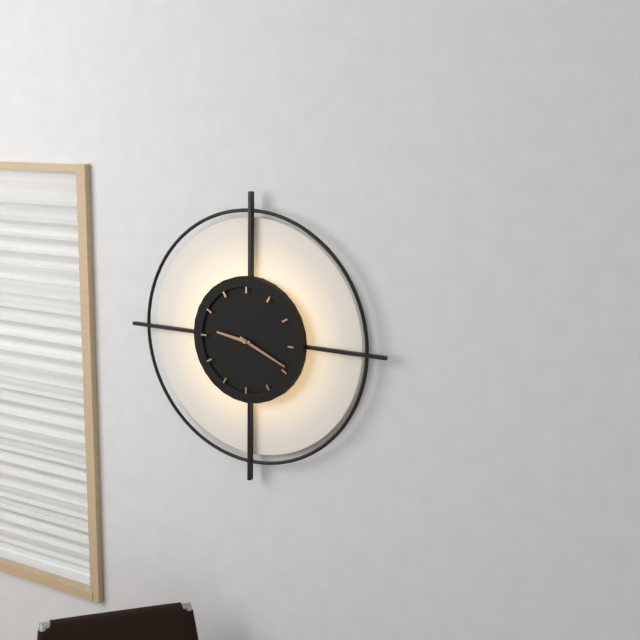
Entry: 9 h 19 min
